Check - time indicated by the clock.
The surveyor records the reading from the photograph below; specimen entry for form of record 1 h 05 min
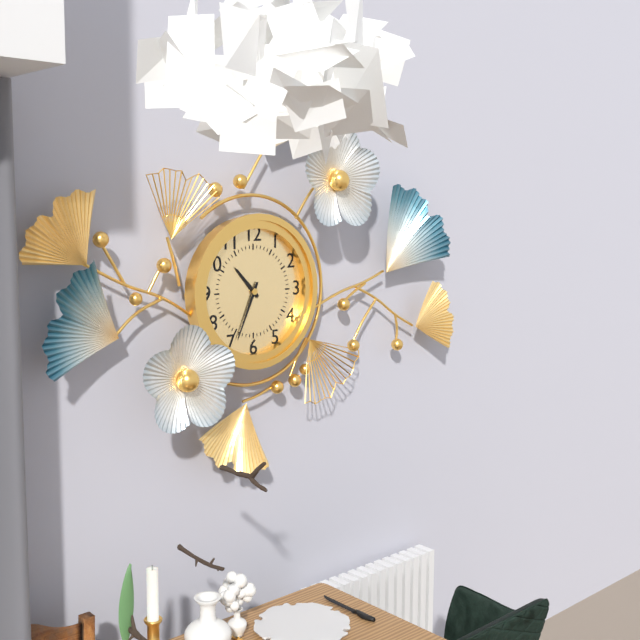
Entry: 10 h 34 min
